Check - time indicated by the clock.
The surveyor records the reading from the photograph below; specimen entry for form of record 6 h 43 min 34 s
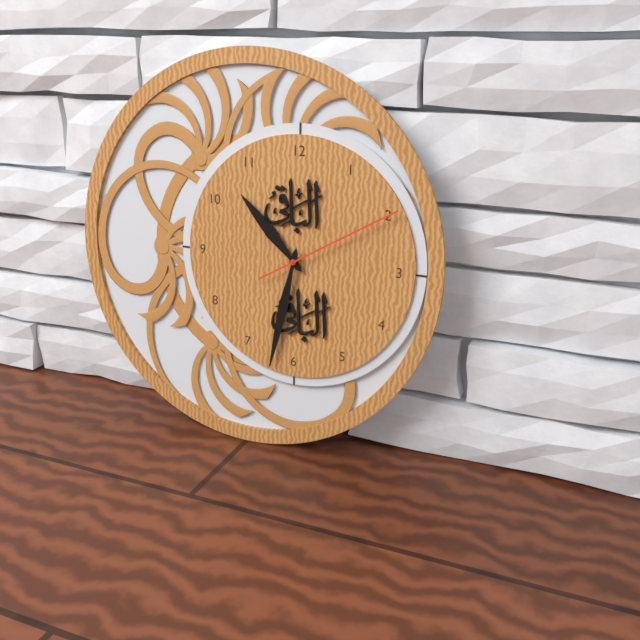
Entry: 10 h 32 min 10 s
